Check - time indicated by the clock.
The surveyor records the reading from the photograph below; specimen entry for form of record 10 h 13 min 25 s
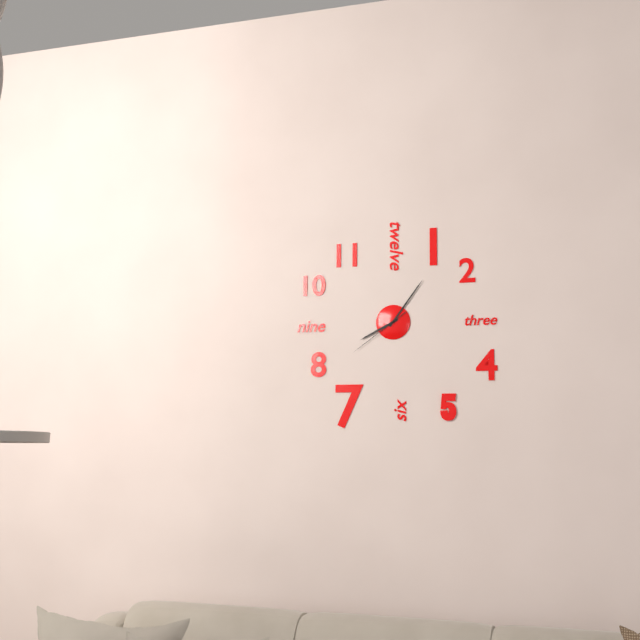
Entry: 8 h 06 min 39 s
